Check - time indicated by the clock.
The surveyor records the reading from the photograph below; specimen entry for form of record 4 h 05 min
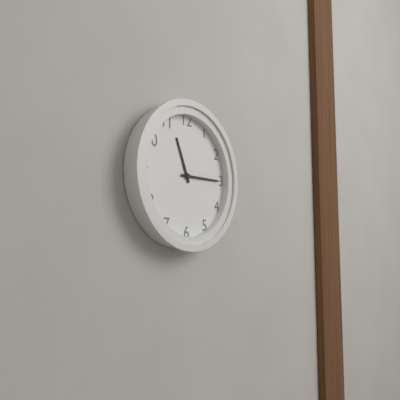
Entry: 11 h 15 min
